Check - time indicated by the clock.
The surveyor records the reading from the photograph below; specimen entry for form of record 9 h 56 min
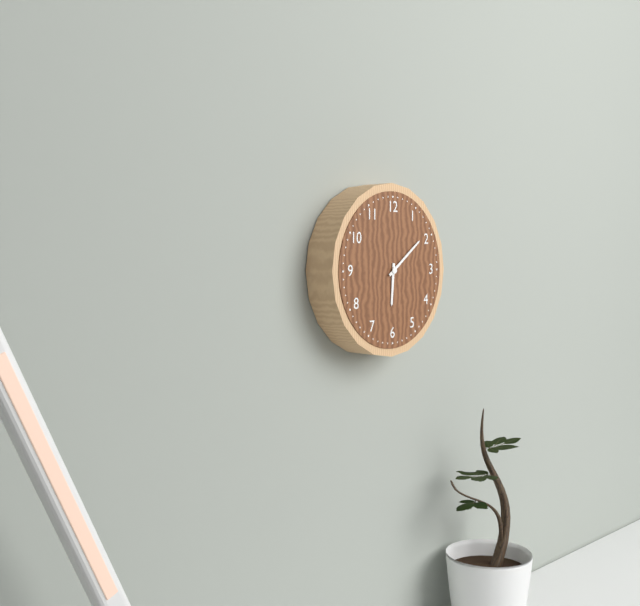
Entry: 6 h 09 min
